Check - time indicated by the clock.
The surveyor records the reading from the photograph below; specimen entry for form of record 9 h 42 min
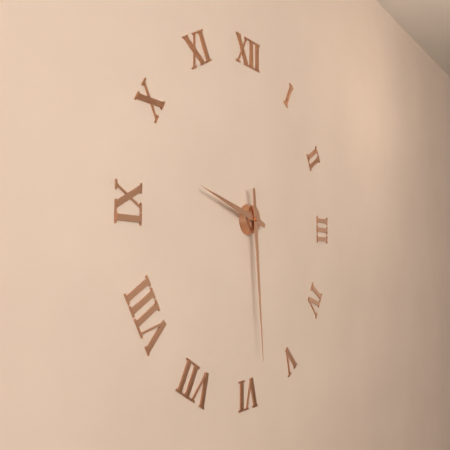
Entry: 9 h 29 min
